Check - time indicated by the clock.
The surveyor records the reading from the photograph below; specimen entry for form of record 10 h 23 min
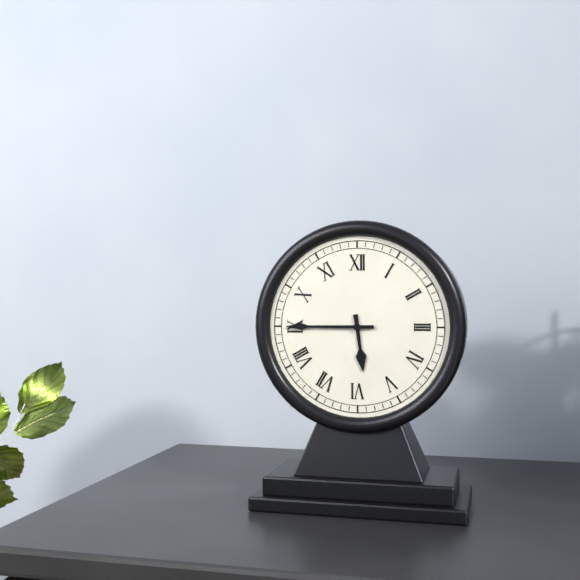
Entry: 5 h 45 min
